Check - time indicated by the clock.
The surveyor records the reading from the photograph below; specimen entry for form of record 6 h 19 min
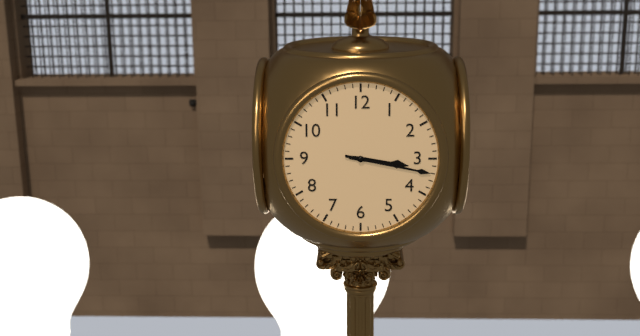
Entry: 3 h 17 min
